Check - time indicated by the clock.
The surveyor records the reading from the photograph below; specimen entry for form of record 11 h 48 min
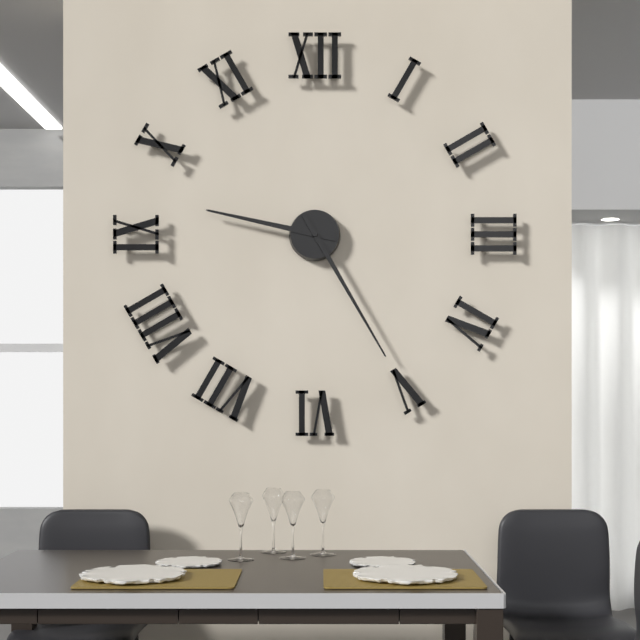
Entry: 9 h 25 min
